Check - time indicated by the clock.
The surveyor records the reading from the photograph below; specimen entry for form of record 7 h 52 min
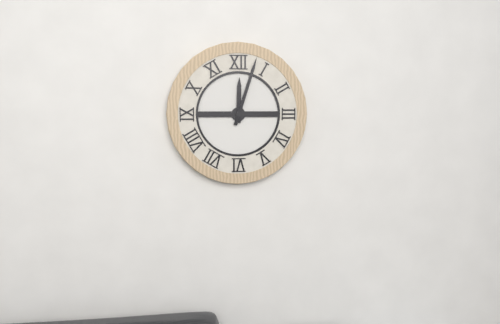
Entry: 12 h 03 min
